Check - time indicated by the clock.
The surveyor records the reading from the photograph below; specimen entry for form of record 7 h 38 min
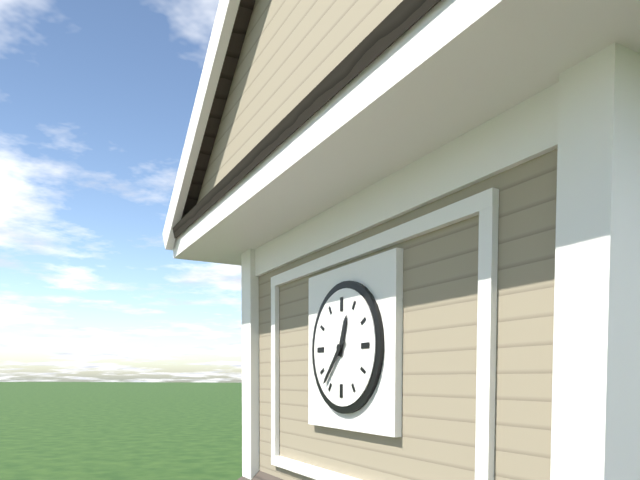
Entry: 12 h 37 min
